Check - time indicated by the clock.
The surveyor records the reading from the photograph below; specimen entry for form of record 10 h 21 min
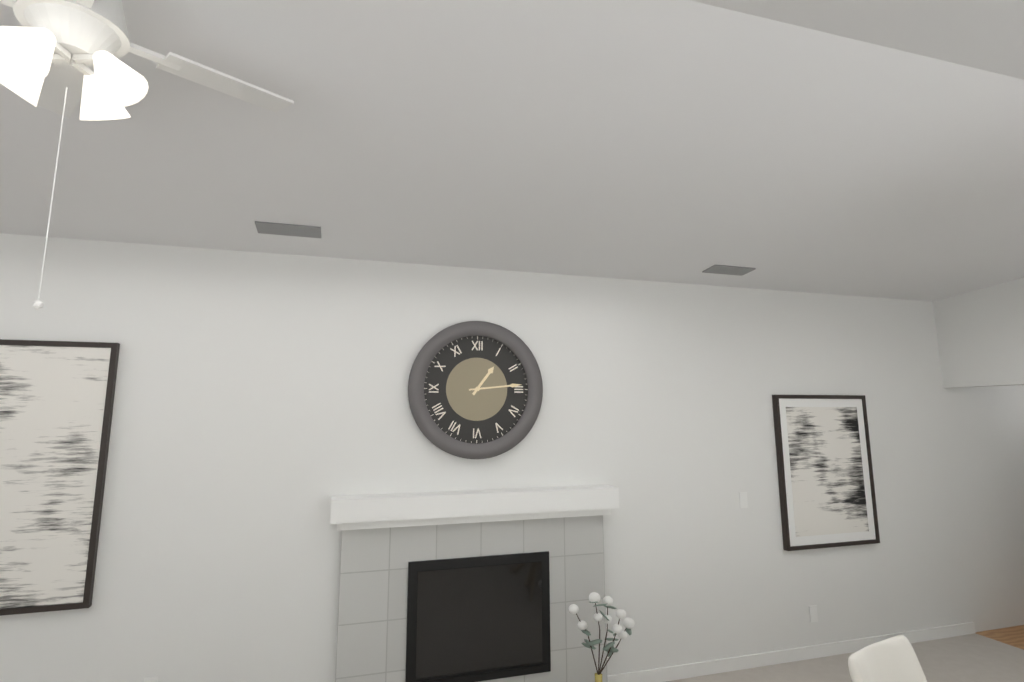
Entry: 1 h 14 min
